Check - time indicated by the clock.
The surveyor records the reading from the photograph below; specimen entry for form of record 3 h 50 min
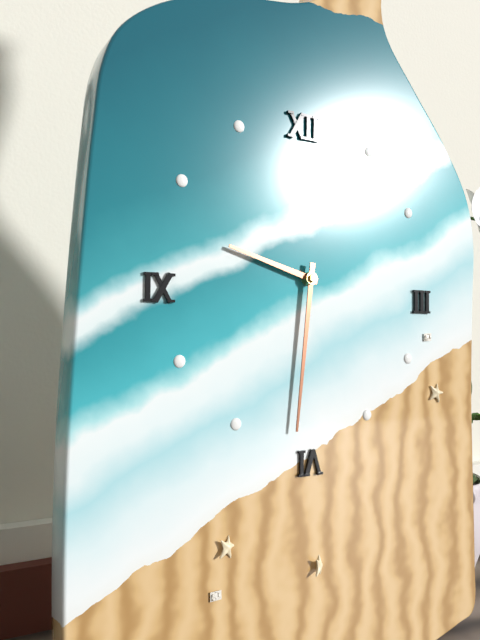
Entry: 9 h 31 min
